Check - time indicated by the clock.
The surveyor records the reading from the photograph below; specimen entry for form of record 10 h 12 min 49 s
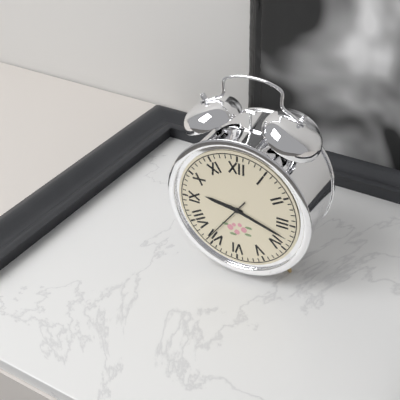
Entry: 9 h 18 min 36 s
